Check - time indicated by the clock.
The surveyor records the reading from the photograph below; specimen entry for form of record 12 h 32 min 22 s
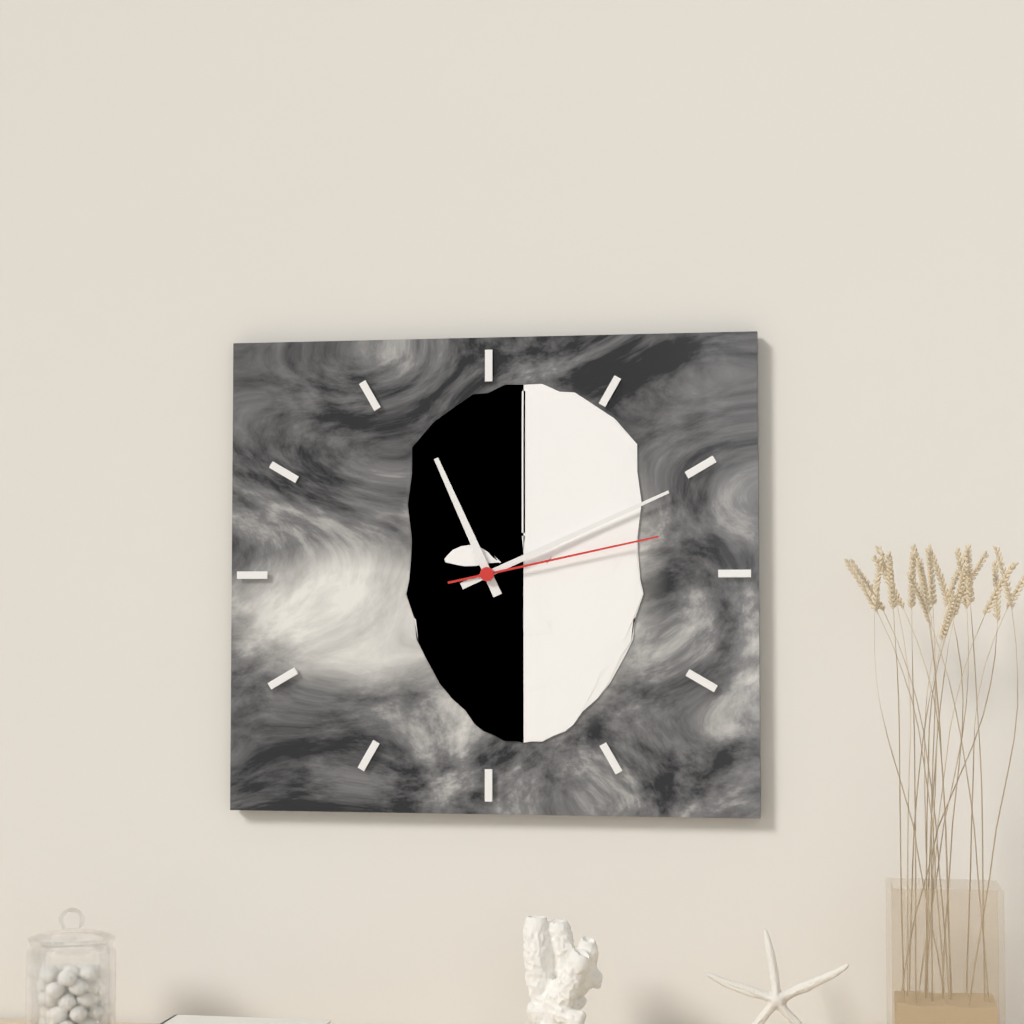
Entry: 11 h 11 min 13 s
